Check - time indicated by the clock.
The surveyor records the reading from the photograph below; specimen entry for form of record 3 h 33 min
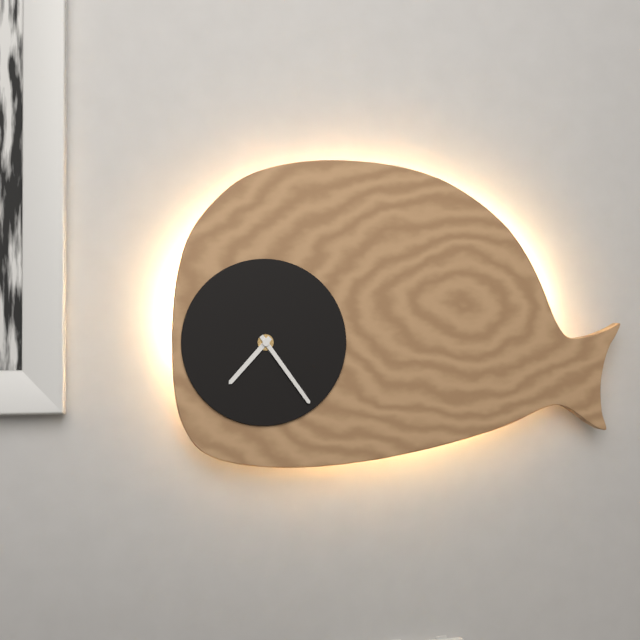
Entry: 7 h 24 min
